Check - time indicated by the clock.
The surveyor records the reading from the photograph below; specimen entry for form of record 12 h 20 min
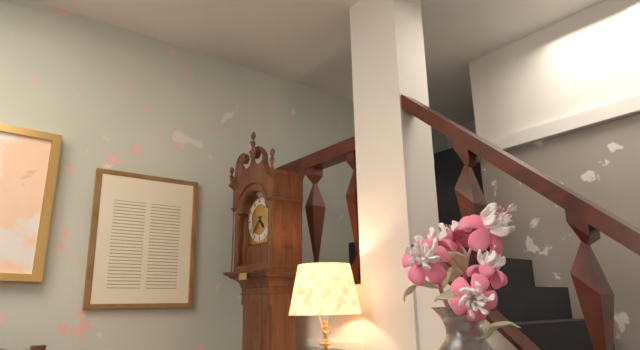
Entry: 4 h 37 min
